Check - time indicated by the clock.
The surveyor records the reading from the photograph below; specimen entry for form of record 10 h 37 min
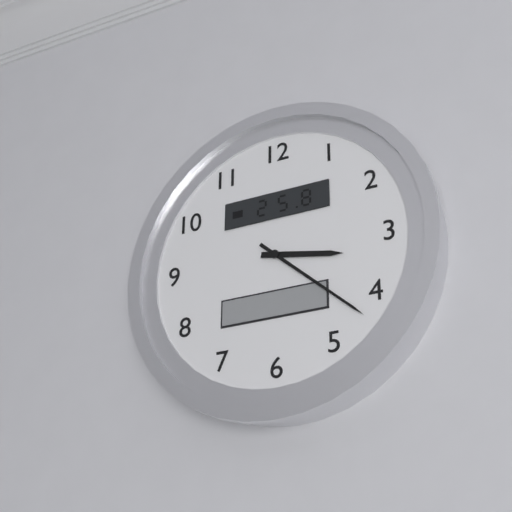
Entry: 3 h 22 min
